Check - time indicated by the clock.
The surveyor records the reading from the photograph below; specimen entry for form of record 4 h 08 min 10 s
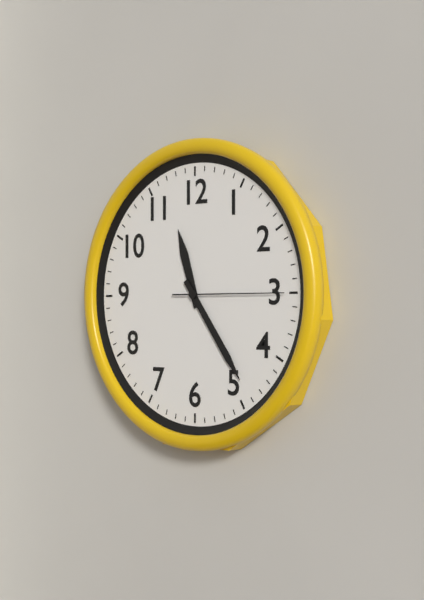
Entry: 11 h 24 min 15 s
